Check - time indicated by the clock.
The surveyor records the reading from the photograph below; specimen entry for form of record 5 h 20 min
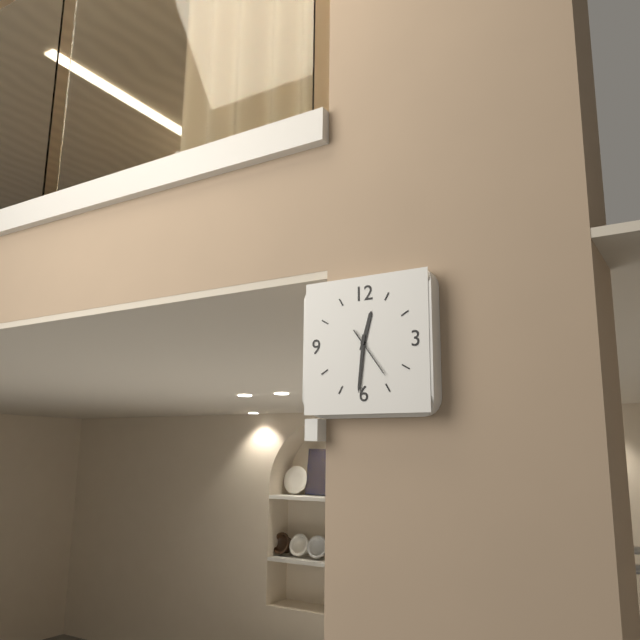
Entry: 12 h 31 min
